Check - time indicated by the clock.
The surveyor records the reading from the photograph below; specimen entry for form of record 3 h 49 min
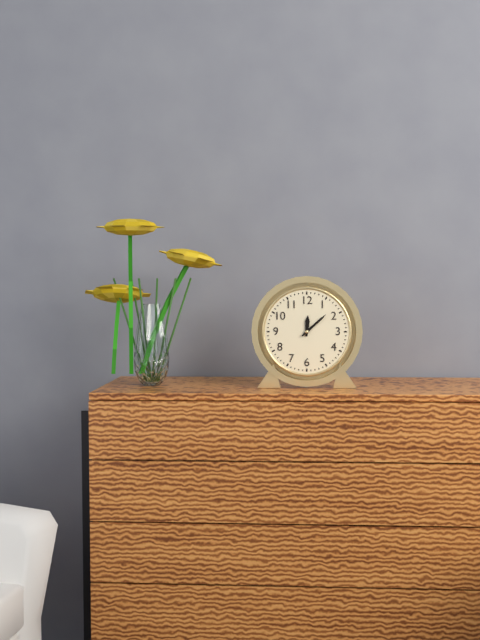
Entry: 12 h 08 min
